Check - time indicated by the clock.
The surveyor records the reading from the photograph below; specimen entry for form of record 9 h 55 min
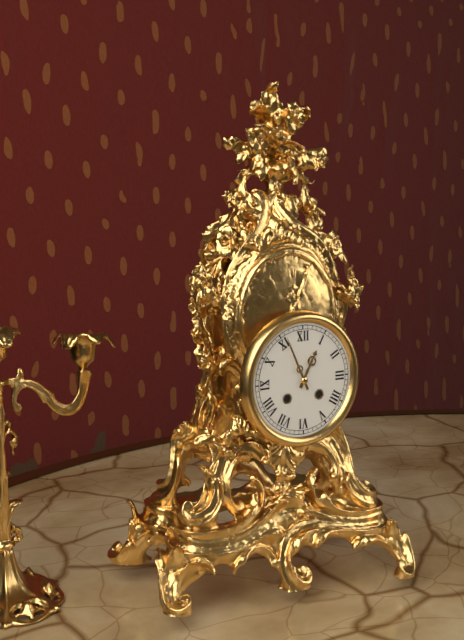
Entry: 12 h 56 min
